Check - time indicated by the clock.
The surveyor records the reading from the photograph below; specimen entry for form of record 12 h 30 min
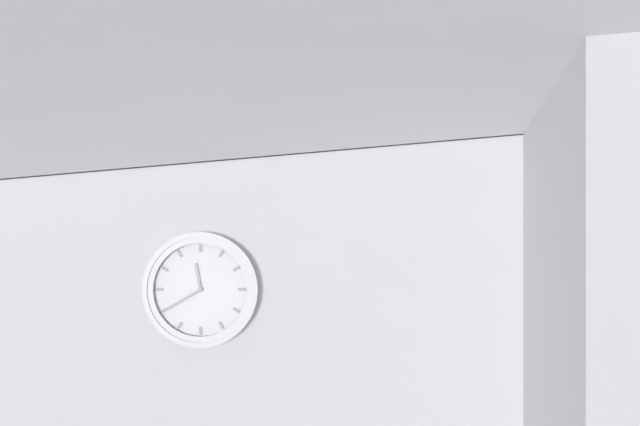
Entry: 11 h 40 min
